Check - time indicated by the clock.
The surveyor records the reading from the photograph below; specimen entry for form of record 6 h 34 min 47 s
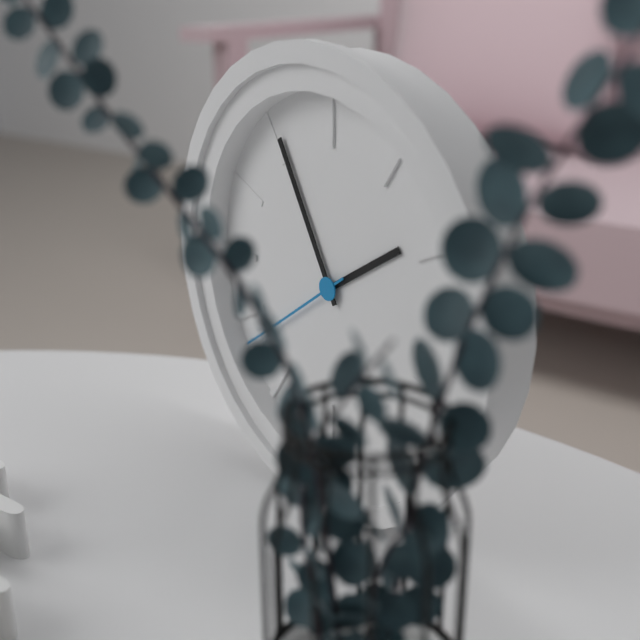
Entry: 1 h 55 min 39 s
